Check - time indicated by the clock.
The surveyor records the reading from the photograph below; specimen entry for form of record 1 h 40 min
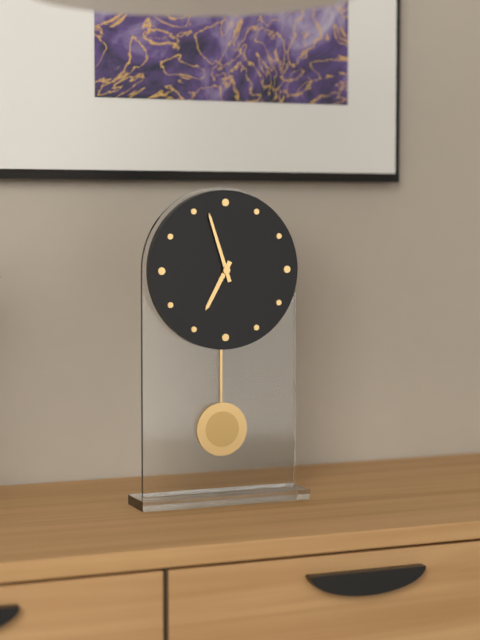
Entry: 6 h 57 min
